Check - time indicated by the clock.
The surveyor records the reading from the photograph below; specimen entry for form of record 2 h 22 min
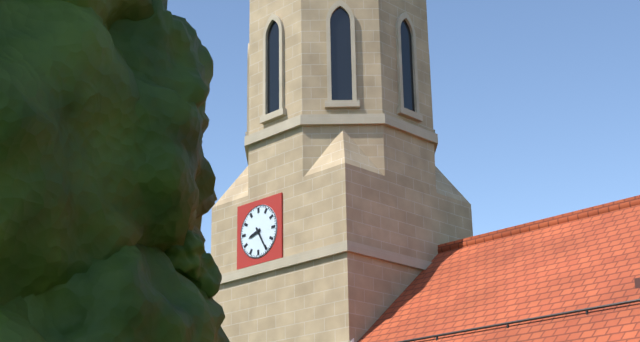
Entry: 8 h 25 min
